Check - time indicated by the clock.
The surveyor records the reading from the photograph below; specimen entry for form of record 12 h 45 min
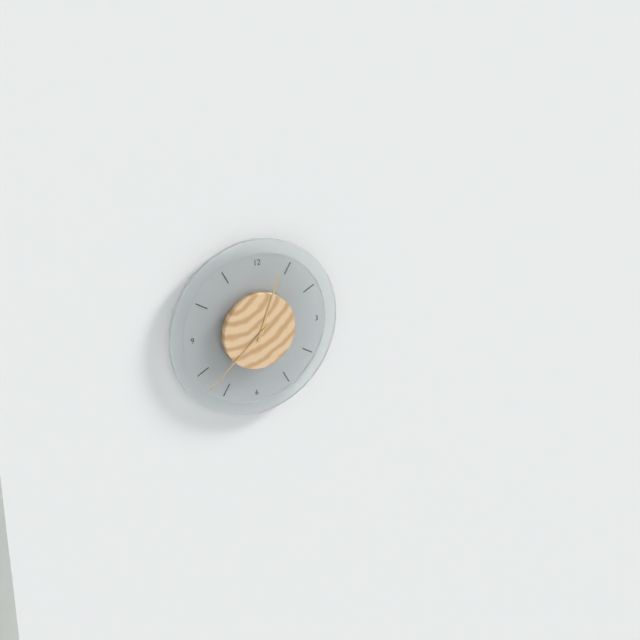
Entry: 12 h 38 min
